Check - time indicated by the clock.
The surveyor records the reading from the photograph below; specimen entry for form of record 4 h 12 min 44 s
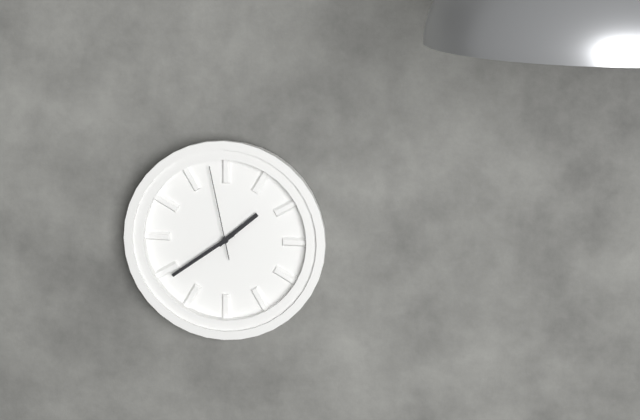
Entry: 1 h 39 min 58 s
